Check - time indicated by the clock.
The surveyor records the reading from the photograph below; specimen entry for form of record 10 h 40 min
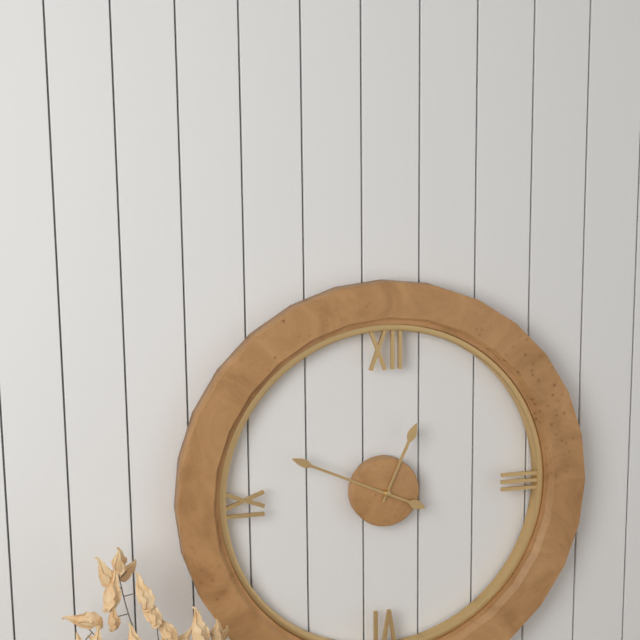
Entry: 12 h 49 min
